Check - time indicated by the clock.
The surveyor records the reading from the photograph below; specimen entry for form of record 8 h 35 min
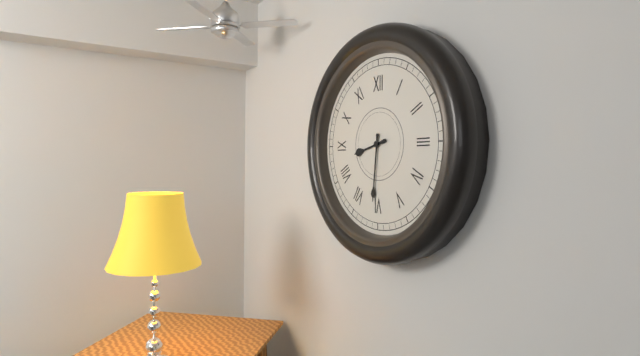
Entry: 8 h 31 min
